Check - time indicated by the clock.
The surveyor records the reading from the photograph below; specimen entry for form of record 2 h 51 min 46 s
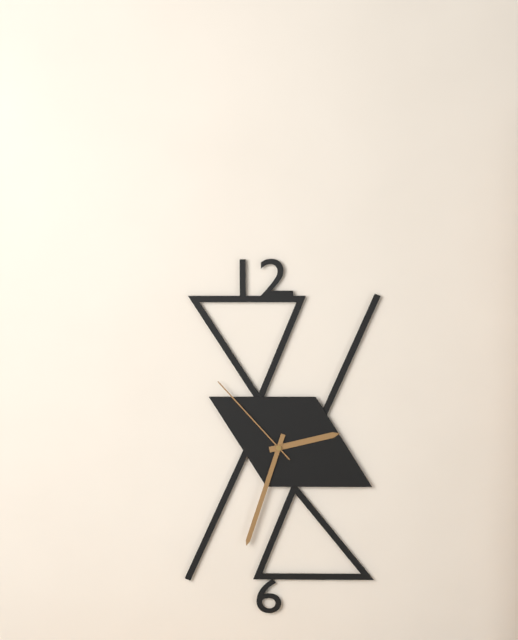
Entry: 2 h 33 min 53 s
